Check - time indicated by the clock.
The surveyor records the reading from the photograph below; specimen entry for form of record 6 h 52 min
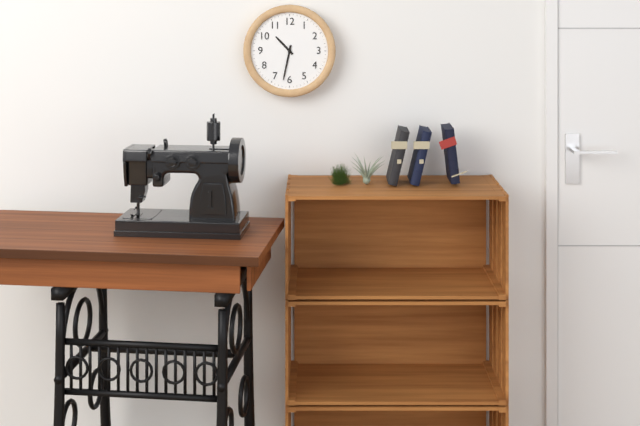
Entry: 10 h 32 min
